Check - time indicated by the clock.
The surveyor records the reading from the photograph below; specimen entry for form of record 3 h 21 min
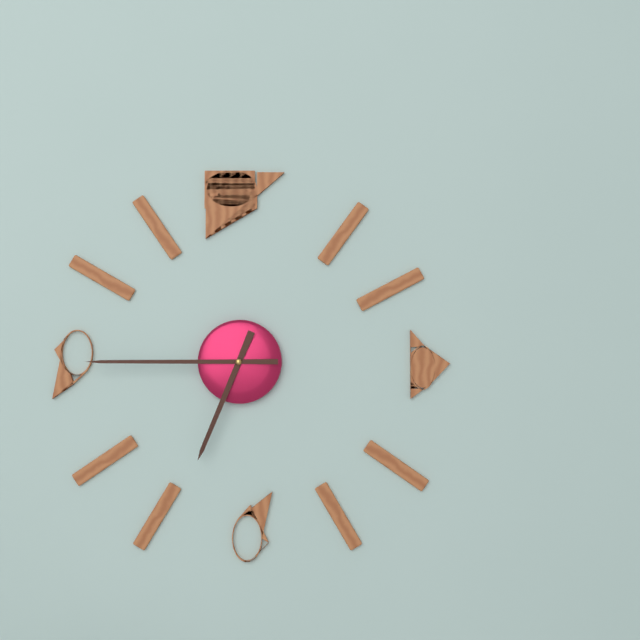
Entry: 6 h 45 min
